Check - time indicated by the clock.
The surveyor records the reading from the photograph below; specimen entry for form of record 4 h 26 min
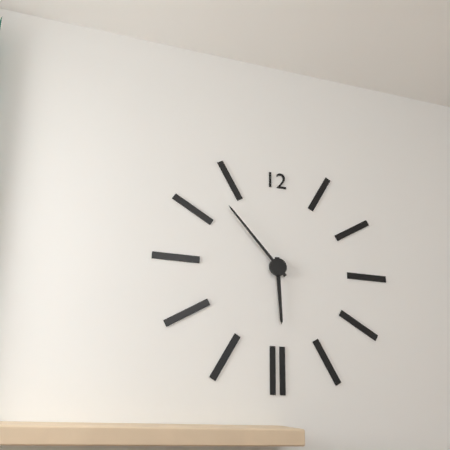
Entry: 5 h 53 min
